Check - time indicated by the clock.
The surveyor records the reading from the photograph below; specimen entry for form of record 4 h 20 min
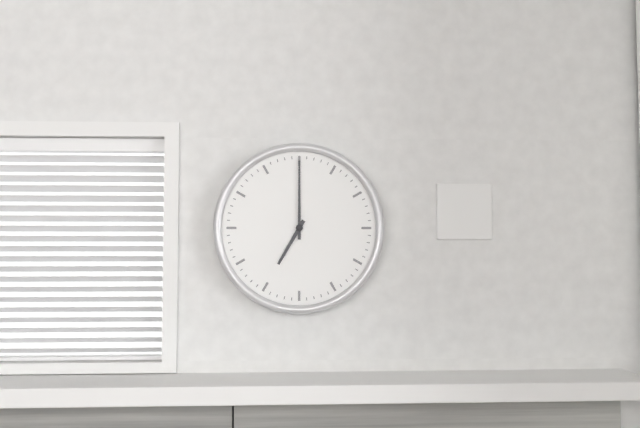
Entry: 7 h 00 min
